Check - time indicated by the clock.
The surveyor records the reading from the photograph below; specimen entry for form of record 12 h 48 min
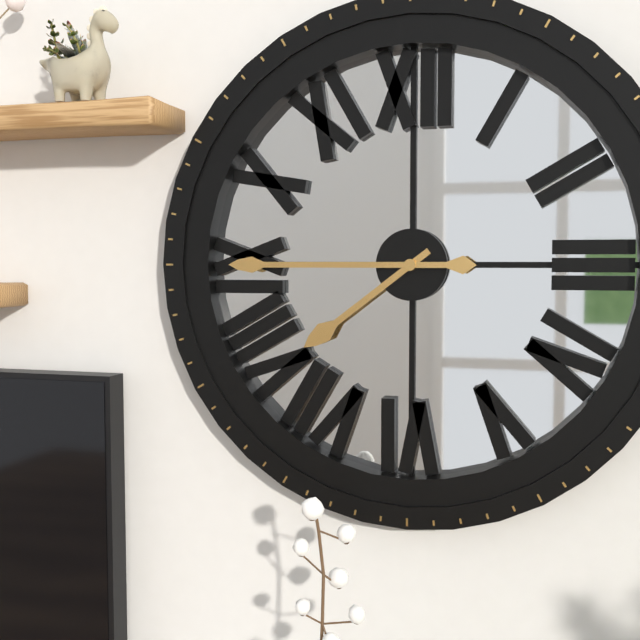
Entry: 7 h 45 min
